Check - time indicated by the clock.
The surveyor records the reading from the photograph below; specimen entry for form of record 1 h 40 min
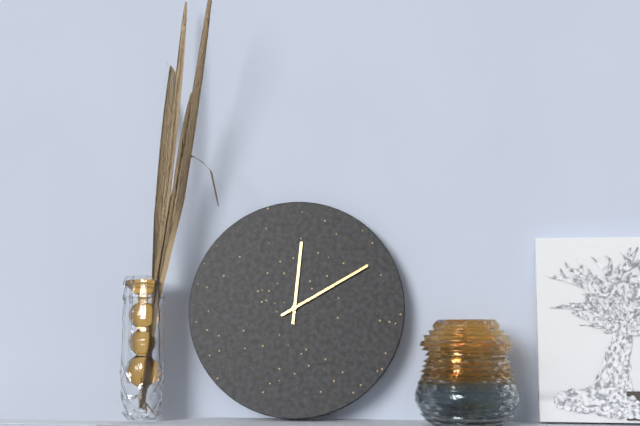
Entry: 12 h 10 min
